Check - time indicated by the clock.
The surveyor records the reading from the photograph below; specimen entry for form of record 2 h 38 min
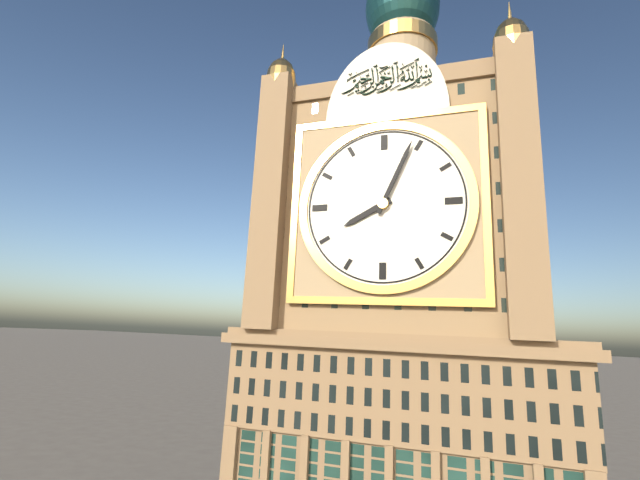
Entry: 8 h 04 min
